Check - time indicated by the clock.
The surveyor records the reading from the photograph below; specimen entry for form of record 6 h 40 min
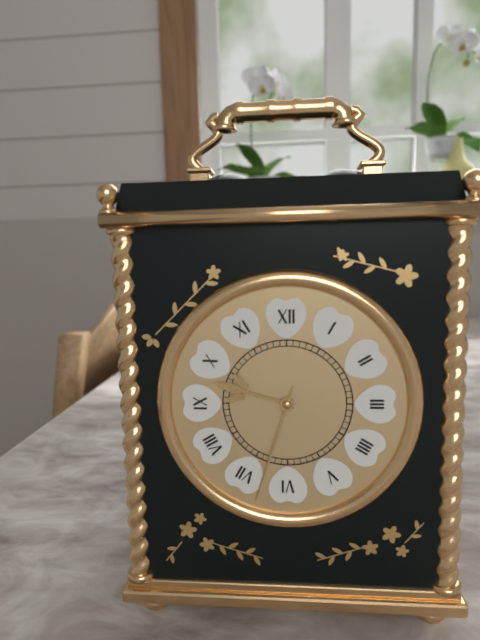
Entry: 9 h 33 min
